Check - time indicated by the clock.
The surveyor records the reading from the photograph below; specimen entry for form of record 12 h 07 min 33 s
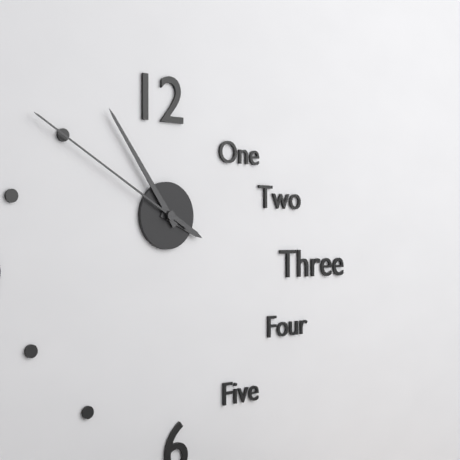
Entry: 3 h 54 min 50 s
